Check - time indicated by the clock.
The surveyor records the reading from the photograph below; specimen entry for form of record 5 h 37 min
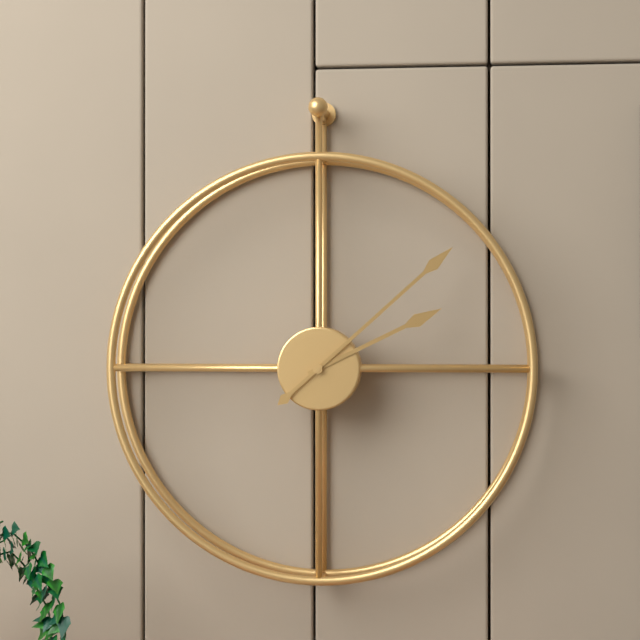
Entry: 2 h 08 min
